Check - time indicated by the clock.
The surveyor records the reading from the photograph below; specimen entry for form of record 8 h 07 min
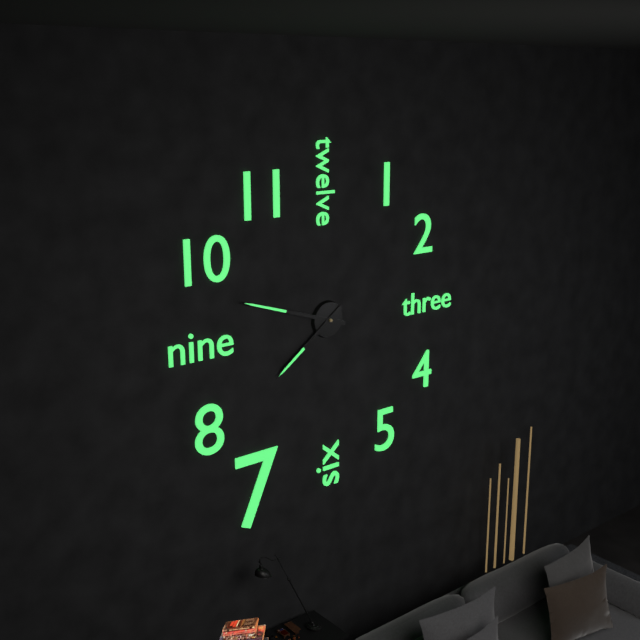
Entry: 7 h 48 min
